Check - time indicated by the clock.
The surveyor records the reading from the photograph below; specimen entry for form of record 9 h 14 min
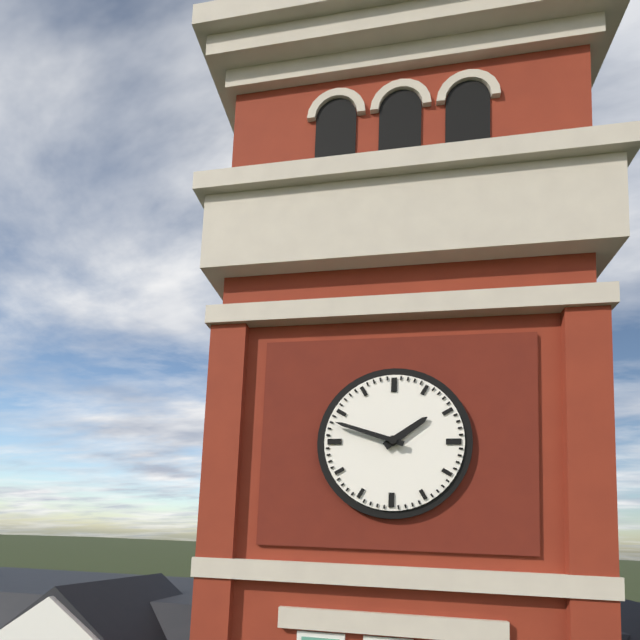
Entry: 1 h 48 min
